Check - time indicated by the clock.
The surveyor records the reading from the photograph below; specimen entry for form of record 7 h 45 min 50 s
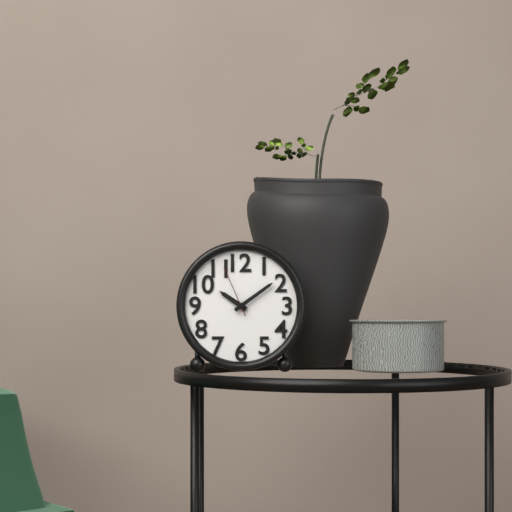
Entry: 10 h 09 min 56 s
